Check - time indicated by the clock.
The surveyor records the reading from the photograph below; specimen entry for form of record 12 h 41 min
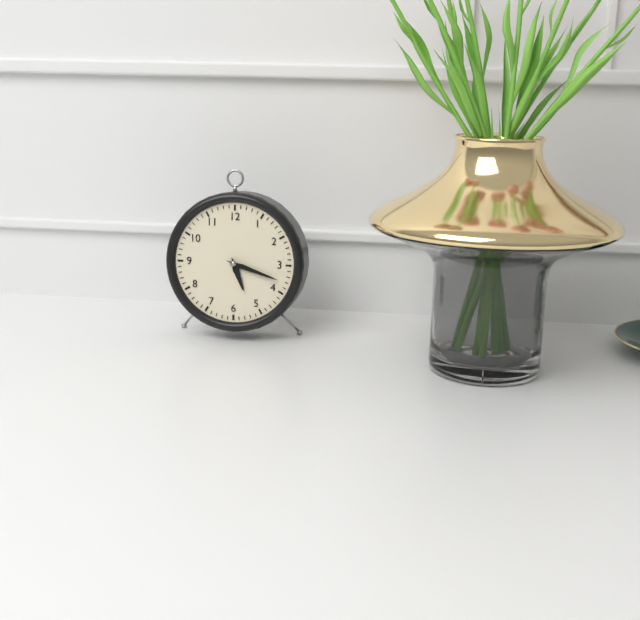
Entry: 5 h 18 min
